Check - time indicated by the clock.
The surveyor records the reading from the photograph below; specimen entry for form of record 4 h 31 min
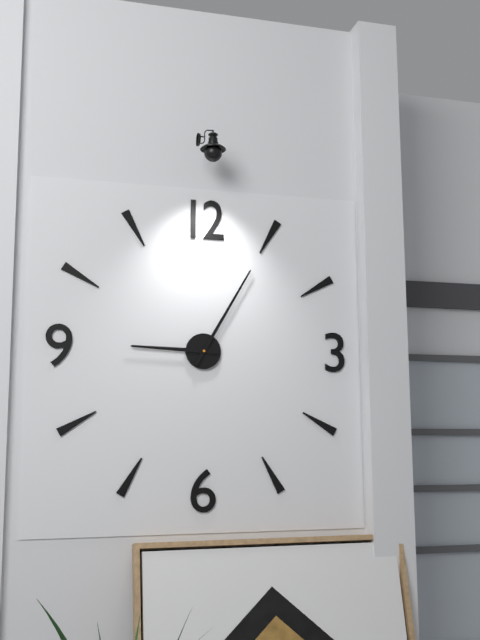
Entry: 9 h 05 min
